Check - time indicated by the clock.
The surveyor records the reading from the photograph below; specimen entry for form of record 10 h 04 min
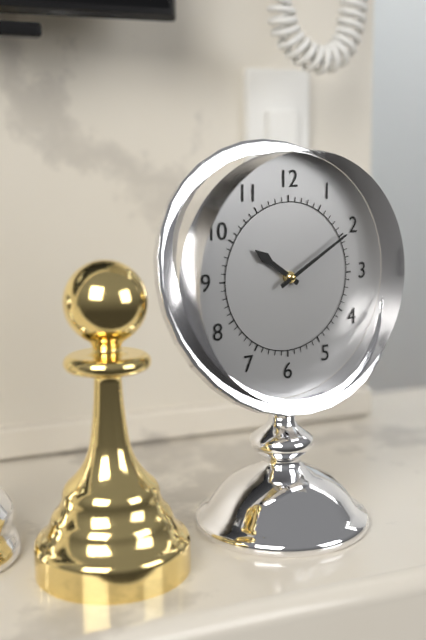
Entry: 10 h 10 min
